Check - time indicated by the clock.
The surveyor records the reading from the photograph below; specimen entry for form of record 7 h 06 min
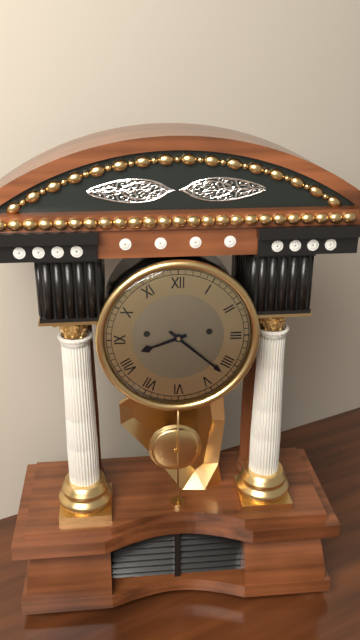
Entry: 8 h 22 min
